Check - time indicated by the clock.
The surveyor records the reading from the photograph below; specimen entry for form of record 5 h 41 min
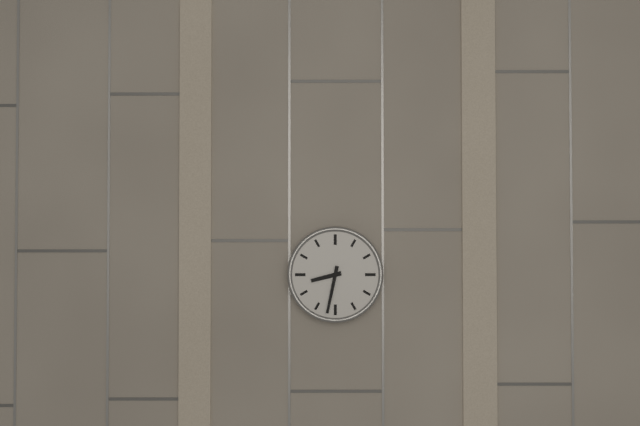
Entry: 8 h 32 min
